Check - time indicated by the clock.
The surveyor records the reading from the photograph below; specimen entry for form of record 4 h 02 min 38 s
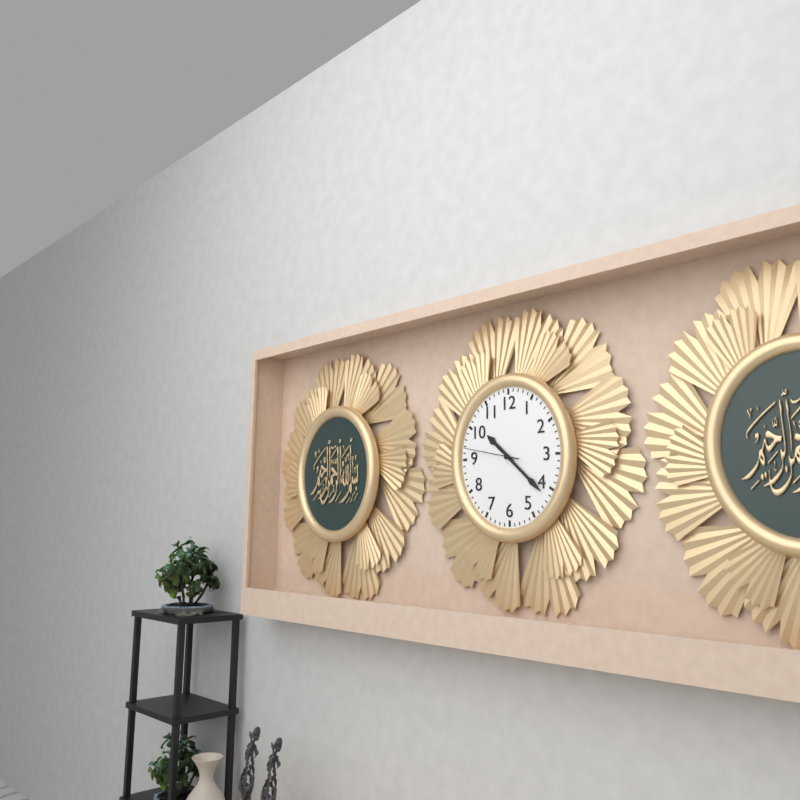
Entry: 10 h 22 min 47 s
